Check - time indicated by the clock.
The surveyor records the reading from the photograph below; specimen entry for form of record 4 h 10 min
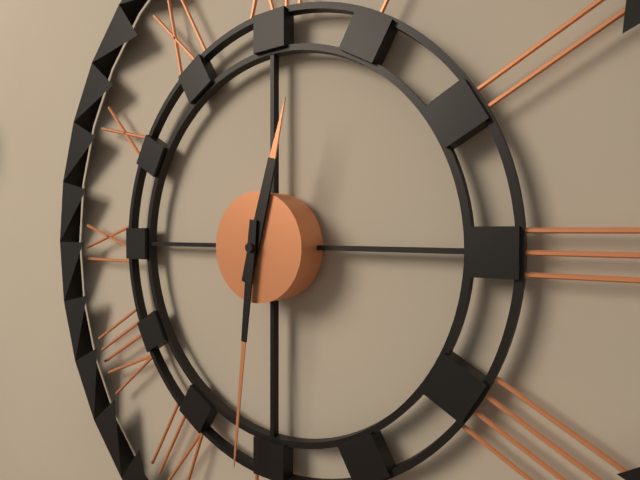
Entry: 12 h 31 min
